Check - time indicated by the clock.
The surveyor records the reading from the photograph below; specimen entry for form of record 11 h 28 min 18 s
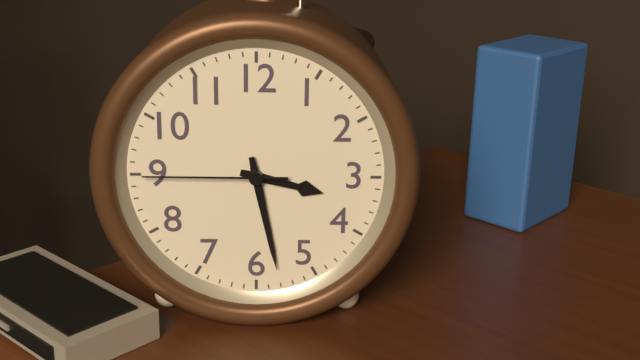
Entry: 3 h 28 min 45 s
